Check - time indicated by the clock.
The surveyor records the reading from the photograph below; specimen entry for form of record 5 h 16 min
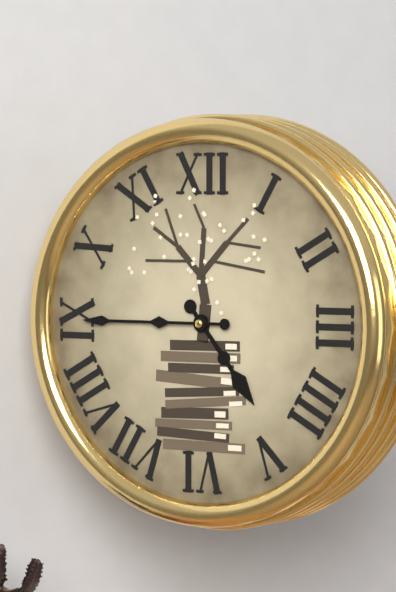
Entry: 4 h 45 min
